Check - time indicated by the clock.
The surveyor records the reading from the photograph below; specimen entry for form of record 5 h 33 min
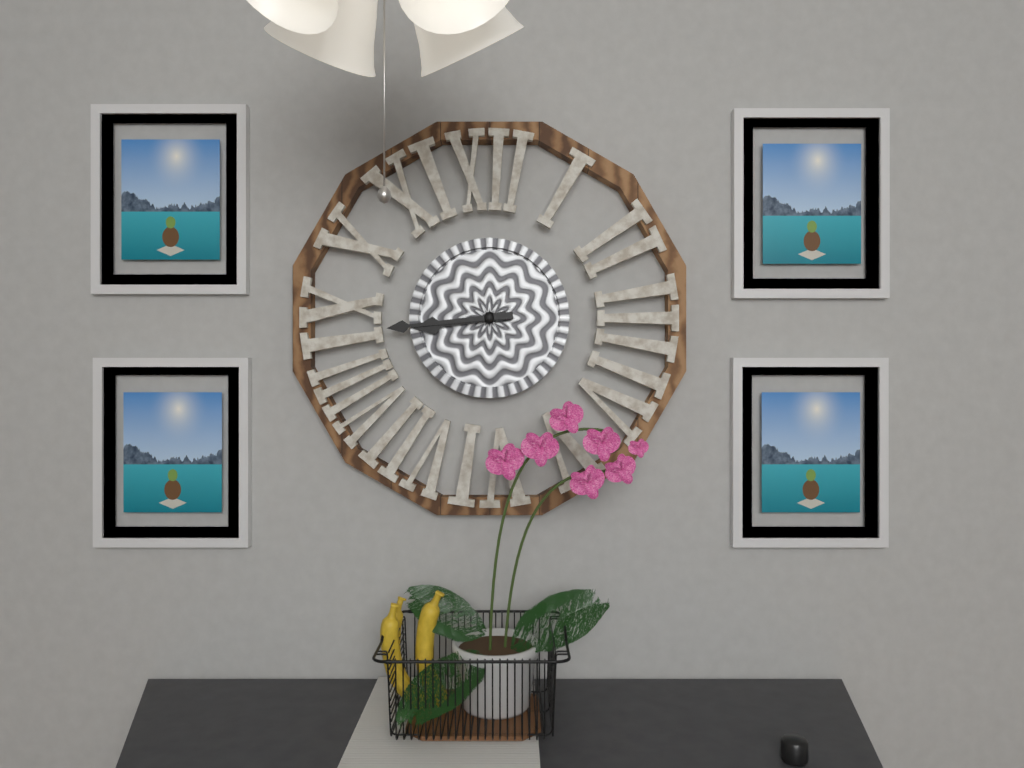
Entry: 8 h 44 min
